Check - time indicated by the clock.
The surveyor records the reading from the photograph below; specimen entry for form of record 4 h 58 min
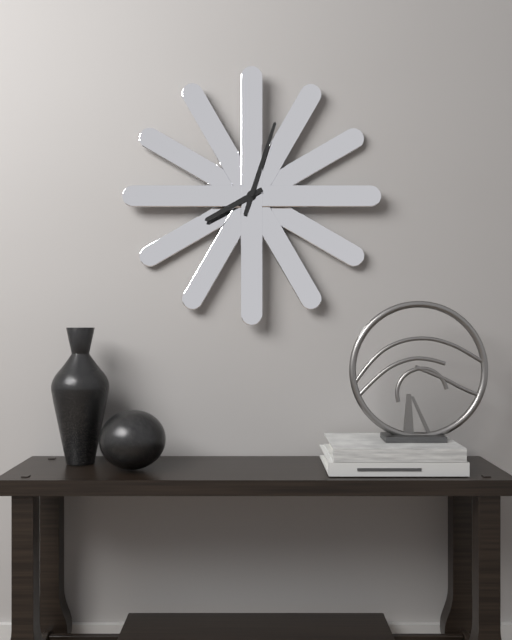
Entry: 8 h 03 min
